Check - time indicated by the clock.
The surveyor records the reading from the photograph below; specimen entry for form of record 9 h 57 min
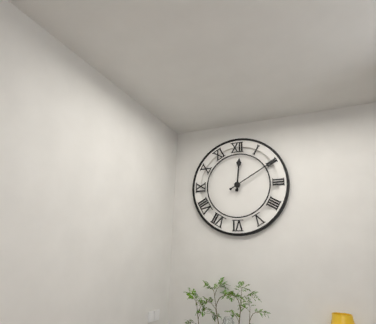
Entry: 12 h 10 min
